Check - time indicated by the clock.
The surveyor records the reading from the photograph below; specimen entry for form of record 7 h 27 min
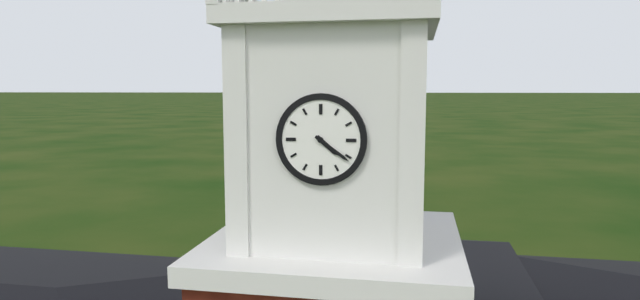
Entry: 4 h 21 min
